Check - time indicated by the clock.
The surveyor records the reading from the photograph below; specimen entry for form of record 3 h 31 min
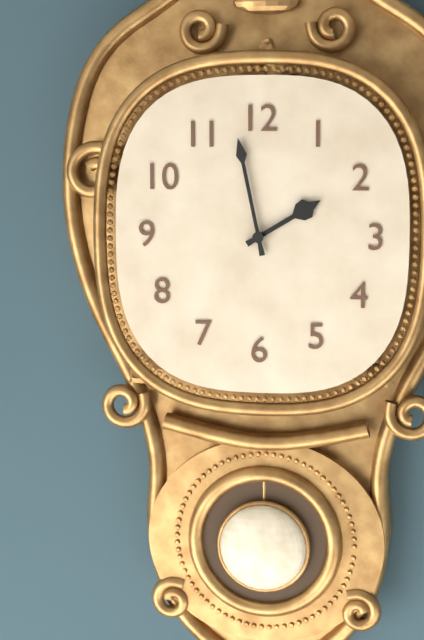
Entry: 1 h 58 min
